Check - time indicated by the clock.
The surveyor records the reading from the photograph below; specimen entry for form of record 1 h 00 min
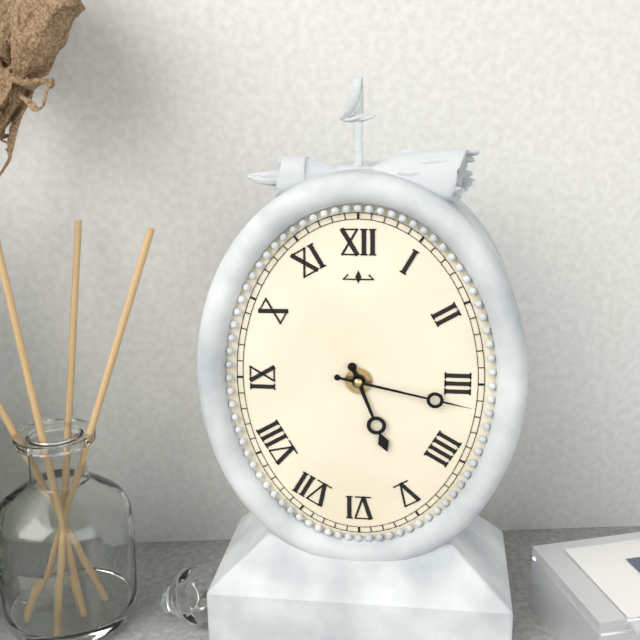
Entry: 5 h 17 min
